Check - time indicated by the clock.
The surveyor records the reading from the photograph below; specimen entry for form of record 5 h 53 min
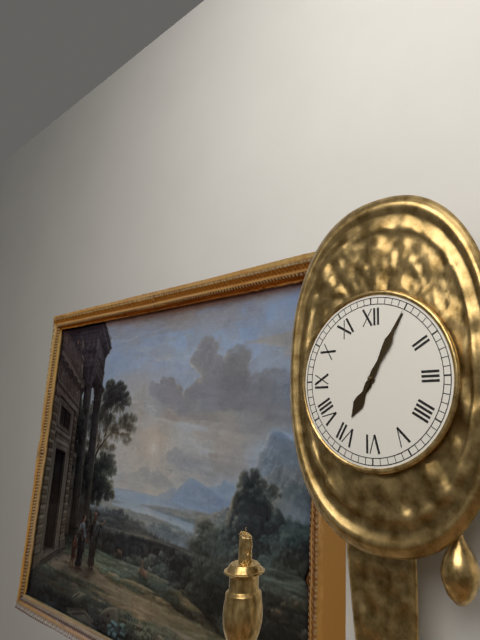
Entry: 7 h 05 min
